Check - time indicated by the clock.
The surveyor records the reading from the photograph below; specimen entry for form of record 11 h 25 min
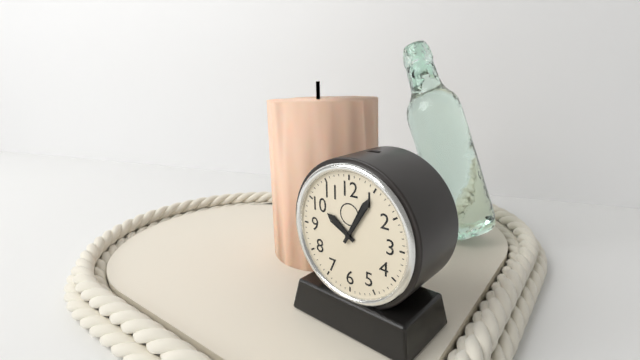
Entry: 10 h 05 min
